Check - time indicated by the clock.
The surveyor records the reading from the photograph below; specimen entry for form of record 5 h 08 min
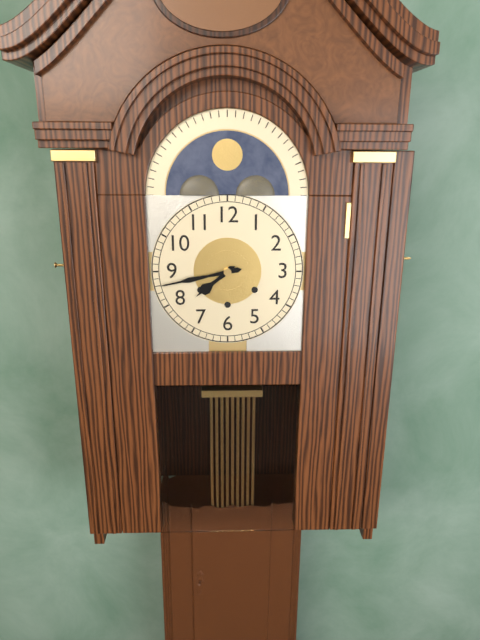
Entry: 7 h 43 min
